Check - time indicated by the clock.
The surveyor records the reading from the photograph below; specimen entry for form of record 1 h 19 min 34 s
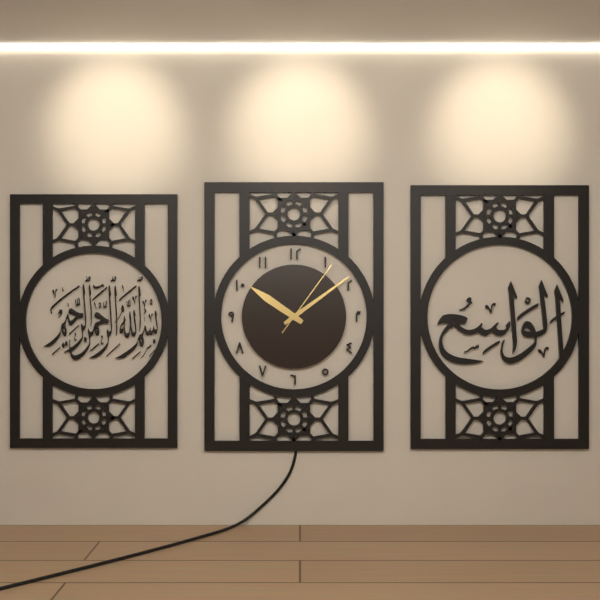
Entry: 10 h 09 min 06 s
